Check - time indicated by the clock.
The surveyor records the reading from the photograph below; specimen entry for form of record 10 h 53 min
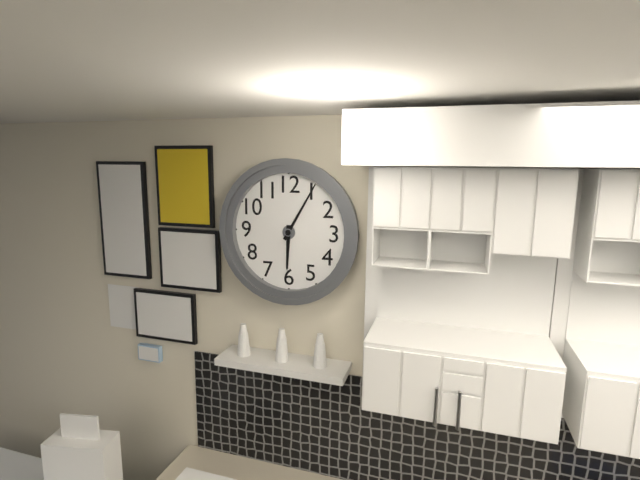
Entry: 6 h 05 min
